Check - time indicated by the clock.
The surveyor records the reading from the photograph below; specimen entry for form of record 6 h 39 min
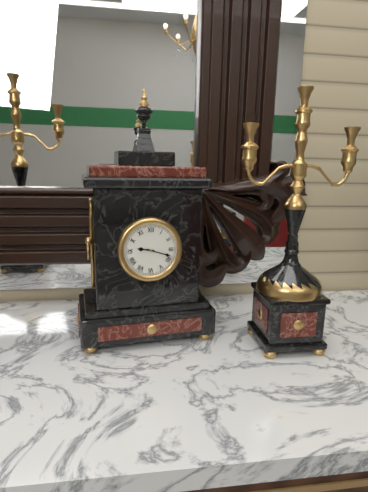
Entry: 9 h 18 min
